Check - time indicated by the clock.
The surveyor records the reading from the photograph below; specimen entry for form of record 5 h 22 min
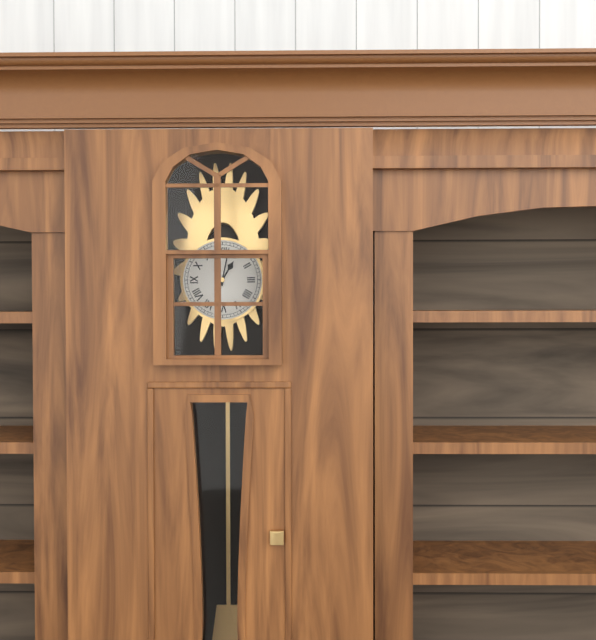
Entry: 1 h 02 min
